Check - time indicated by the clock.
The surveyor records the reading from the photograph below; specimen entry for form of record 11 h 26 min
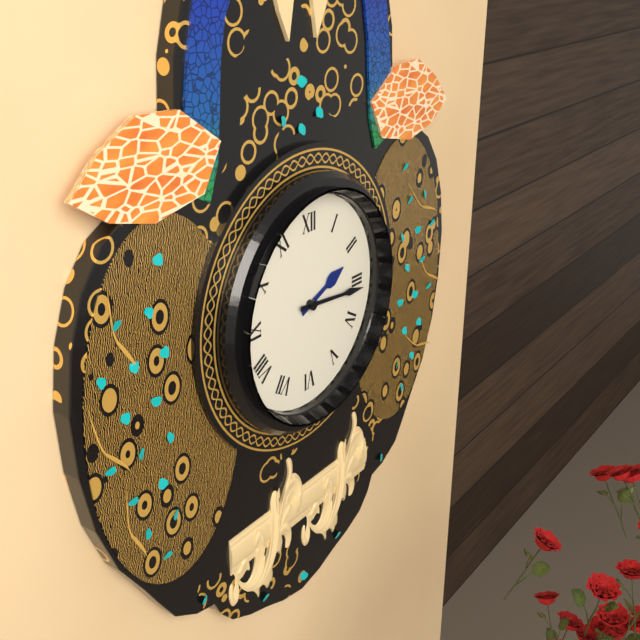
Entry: 2 h 16 min
